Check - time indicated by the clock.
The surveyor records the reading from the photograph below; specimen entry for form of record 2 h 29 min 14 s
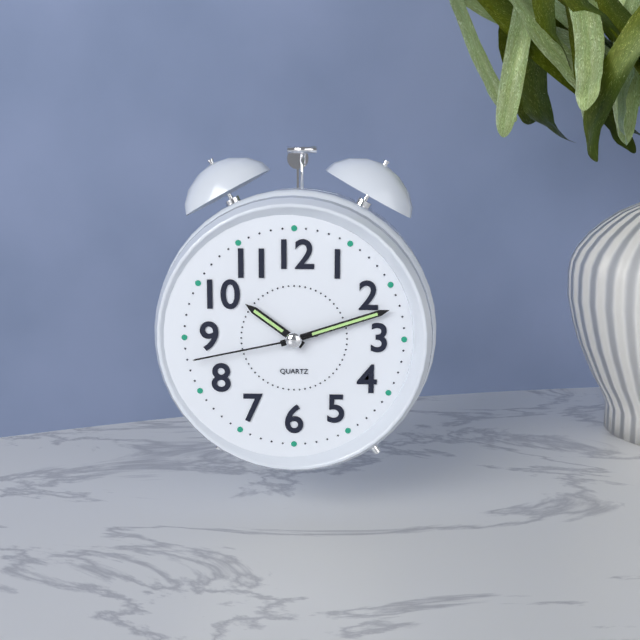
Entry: 10 h 12 min 43 s
